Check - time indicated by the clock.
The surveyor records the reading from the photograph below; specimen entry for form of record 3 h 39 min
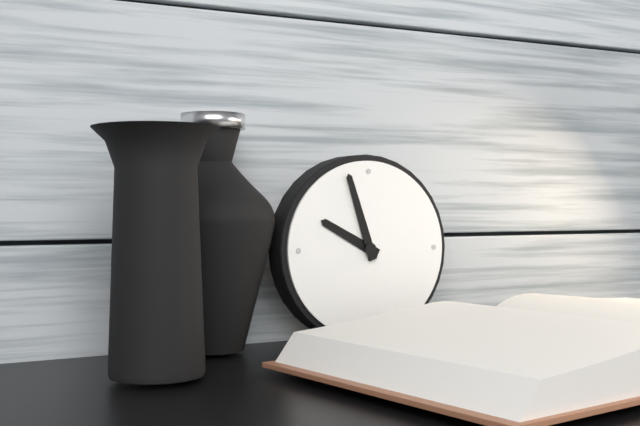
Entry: 9 h 57 min
